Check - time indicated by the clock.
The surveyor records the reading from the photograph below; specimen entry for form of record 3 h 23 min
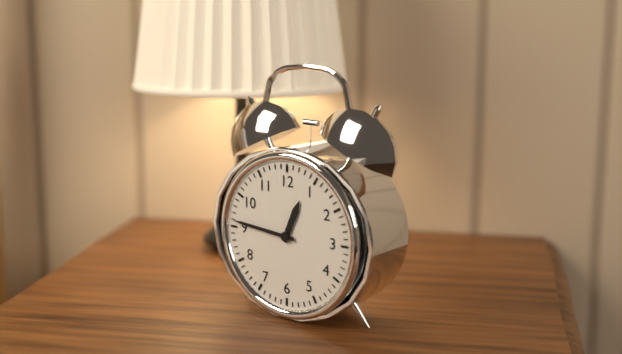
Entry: 12 h 46 min
